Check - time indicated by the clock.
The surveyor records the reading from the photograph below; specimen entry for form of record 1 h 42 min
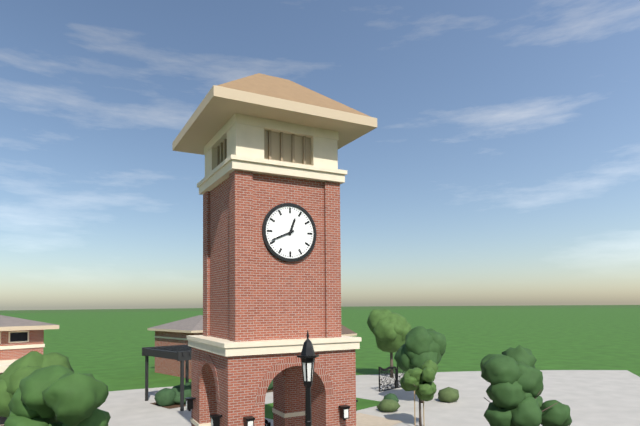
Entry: 12 h 41 min
